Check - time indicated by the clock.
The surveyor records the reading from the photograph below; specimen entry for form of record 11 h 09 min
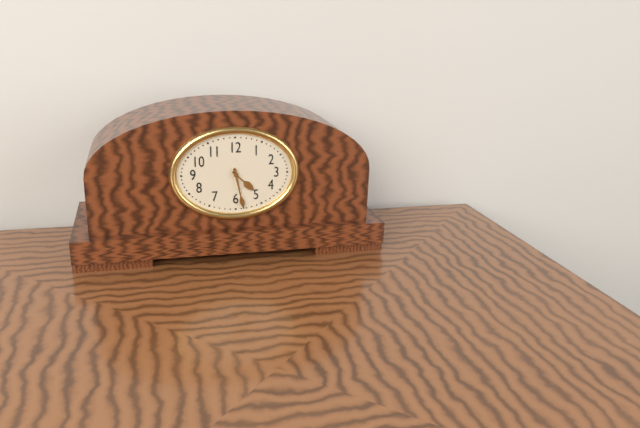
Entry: 4 h 28 min
